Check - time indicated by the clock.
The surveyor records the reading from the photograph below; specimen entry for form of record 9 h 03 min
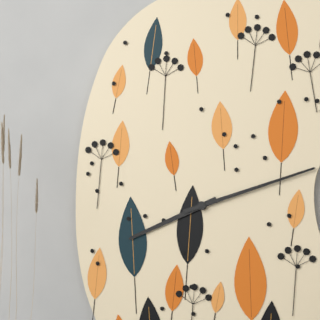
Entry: 8 h 12 min
